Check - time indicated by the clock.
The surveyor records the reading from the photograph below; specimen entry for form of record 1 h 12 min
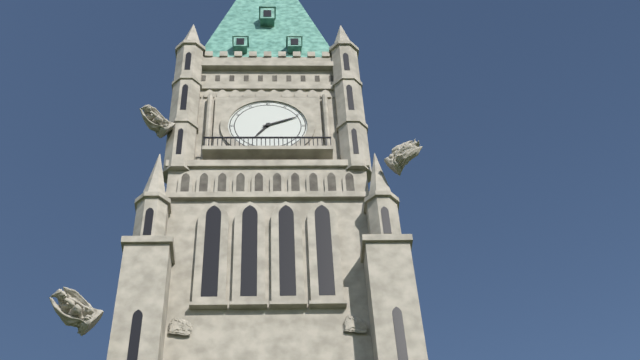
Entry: 7 h 11 min
